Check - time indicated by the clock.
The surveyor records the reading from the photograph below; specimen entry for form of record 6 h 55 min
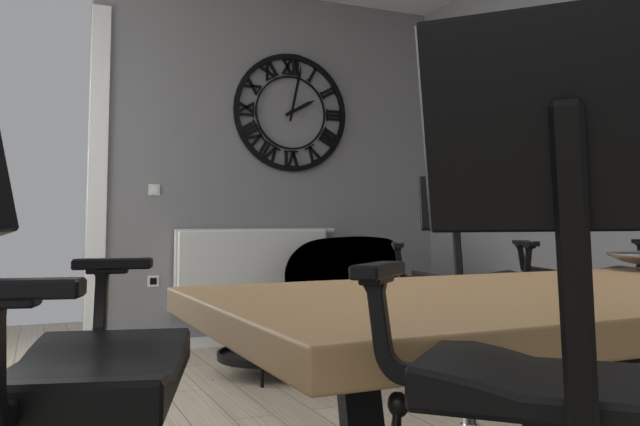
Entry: 2 h 02 min
